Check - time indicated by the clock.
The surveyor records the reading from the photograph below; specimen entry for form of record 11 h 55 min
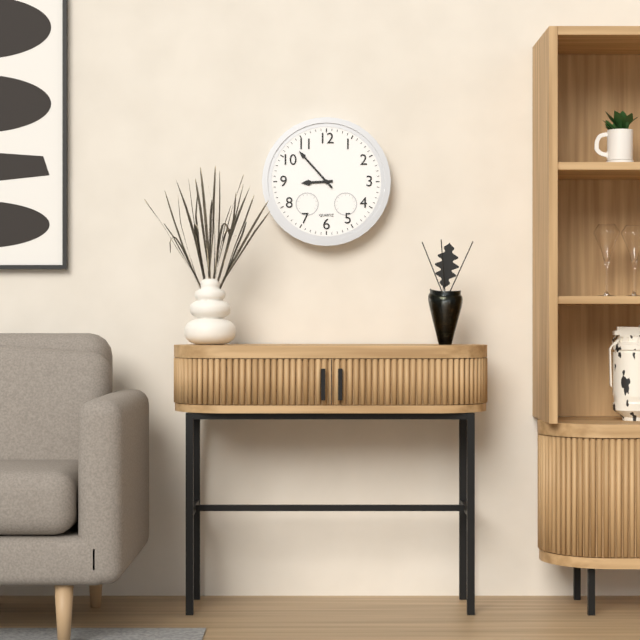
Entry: 8 h 53 min
